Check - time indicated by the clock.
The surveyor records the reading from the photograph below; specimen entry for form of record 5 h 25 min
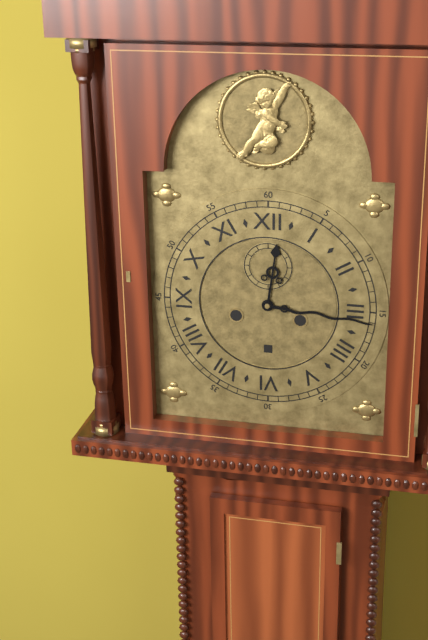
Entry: 12 h 16 min
